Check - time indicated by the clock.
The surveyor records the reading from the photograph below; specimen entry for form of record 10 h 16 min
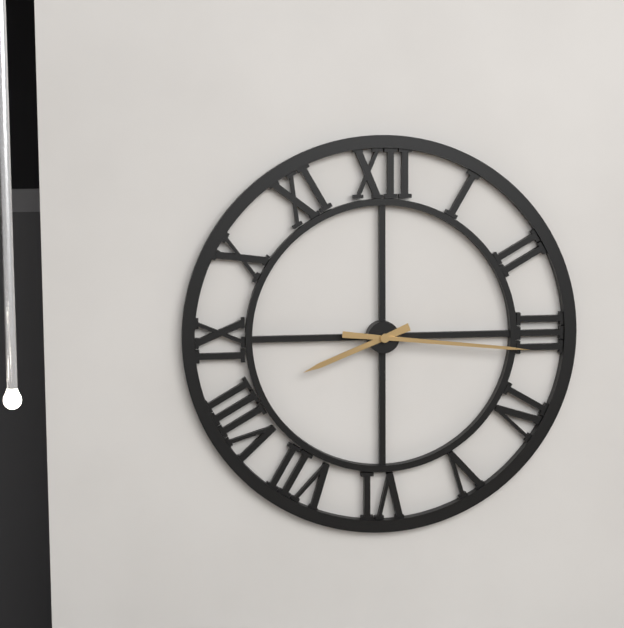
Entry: 8 h 16 min
